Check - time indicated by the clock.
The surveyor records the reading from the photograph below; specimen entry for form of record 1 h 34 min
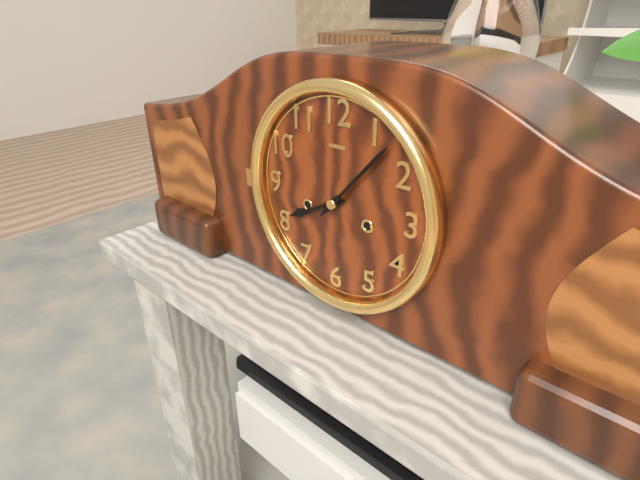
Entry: 8 h 07 min
